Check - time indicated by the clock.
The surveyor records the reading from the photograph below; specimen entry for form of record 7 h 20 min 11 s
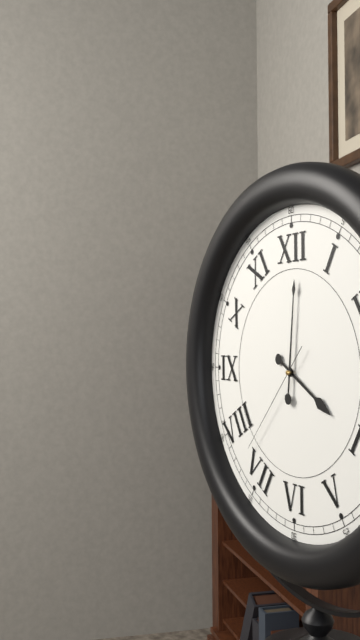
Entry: 4 h 01 min 37 s
